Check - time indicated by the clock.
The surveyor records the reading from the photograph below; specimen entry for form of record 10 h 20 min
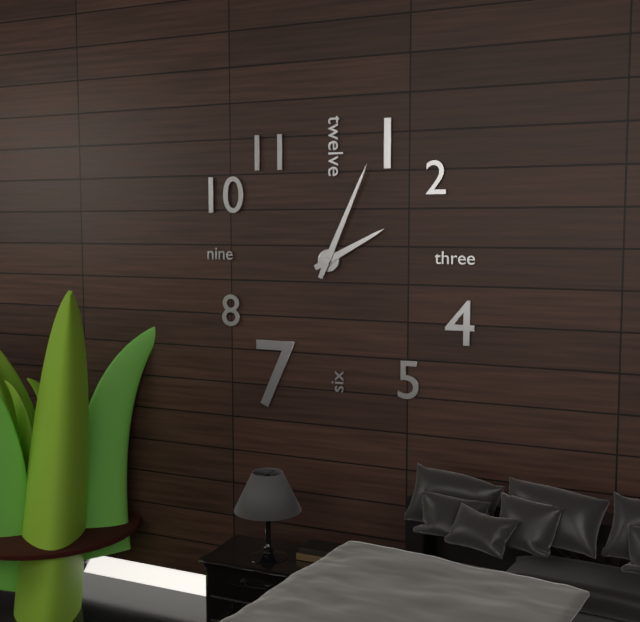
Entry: 2 h 04 min
